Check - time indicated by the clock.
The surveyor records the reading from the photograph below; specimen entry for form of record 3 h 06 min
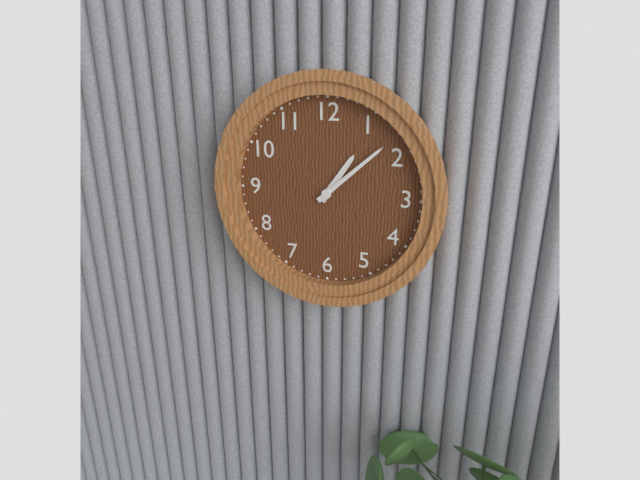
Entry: 1 h 08 min
